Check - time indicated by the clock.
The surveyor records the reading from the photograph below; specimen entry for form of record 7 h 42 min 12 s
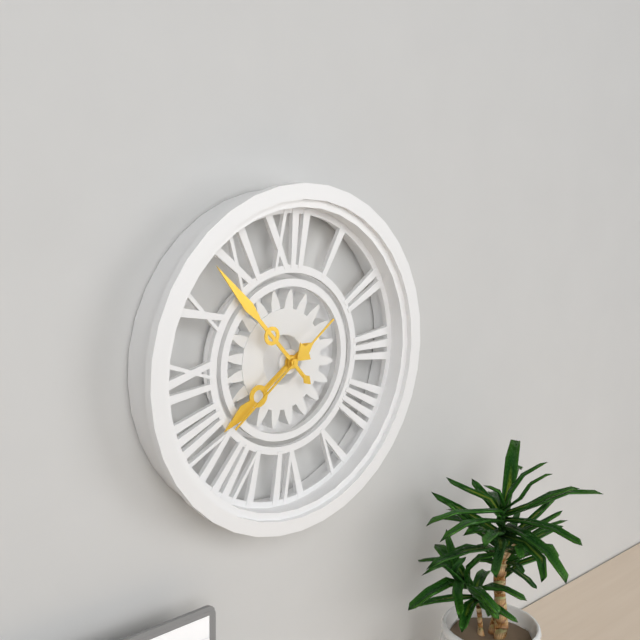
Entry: 7 h 53 min 39 s
